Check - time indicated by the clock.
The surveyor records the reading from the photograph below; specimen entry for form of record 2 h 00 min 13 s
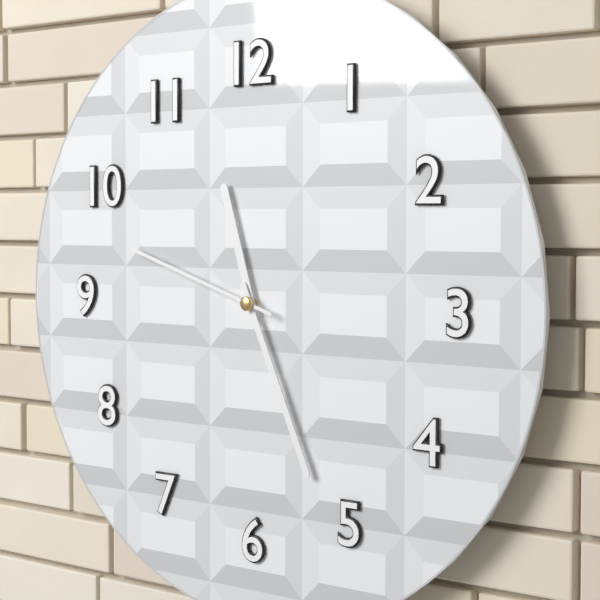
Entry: 11 h 26 min 48 s
